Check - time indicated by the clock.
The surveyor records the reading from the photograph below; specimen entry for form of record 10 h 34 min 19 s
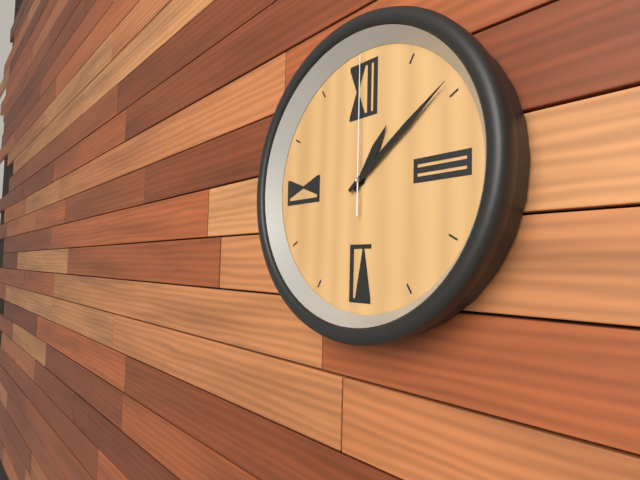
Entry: 1 h 09 min 00 s
